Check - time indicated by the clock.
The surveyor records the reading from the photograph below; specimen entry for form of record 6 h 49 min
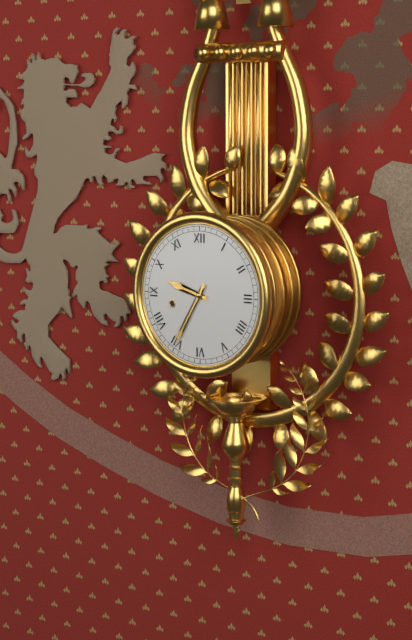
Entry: 9 h 35 min
